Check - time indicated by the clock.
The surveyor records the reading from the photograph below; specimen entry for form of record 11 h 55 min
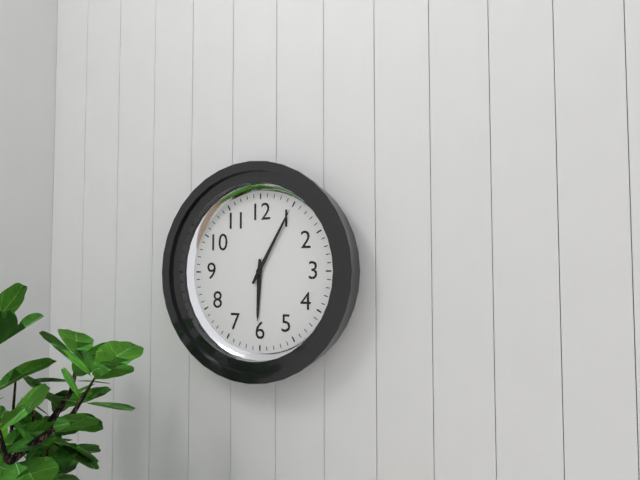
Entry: 6 h 05 min
